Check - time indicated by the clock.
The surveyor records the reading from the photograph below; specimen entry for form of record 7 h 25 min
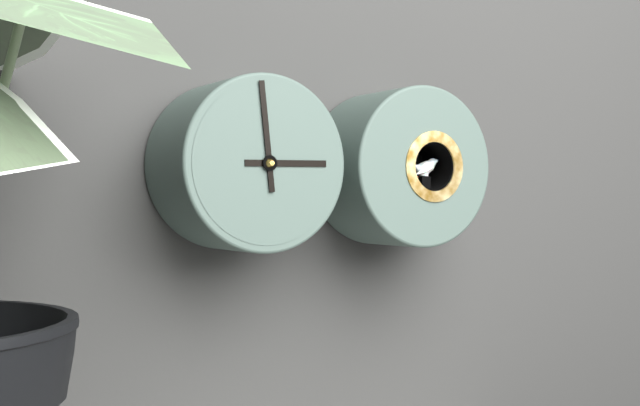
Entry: 2 h 59 min
